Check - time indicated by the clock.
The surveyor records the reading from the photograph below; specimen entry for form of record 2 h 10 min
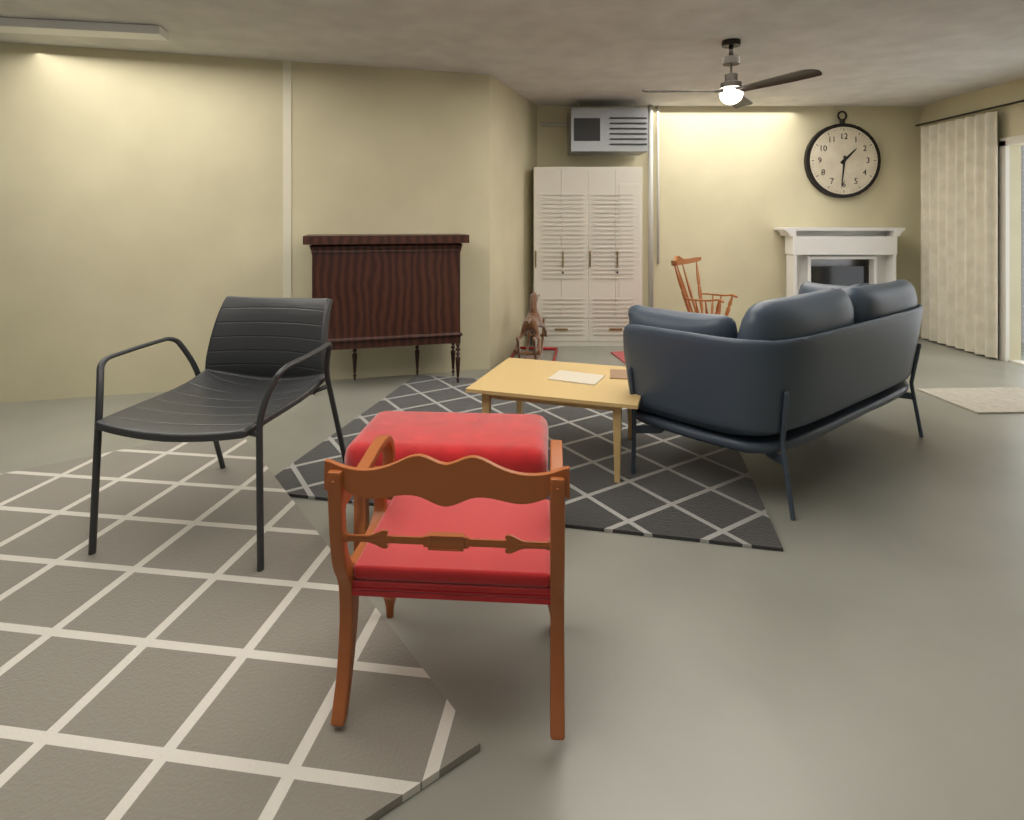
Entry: 1 h 31 min
